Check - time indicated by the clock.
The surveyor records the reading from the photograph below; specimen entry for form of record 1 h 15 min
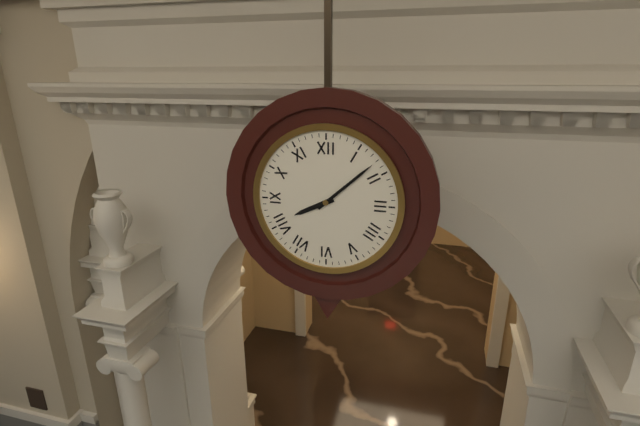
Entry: 8 h 08 min
